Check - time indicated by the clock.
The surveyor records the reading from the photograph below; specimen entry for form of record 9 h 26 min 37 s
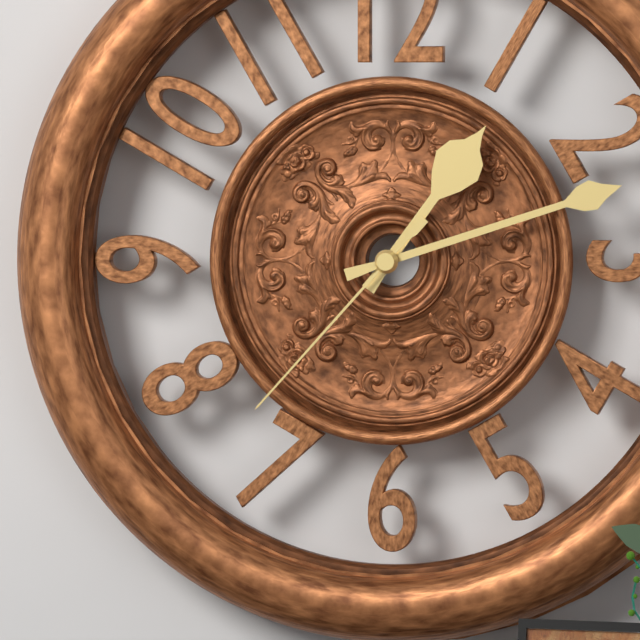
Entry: 1 h 12 min 37 s
